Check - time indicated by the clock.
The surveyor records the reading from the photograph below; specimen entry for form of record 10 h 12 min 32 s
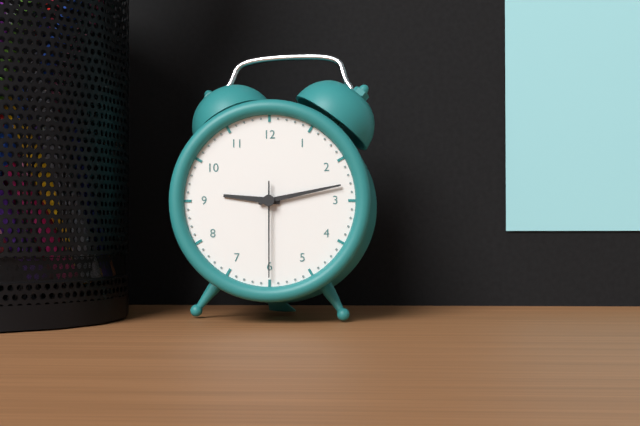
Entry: 9 h 13 min 30 s
